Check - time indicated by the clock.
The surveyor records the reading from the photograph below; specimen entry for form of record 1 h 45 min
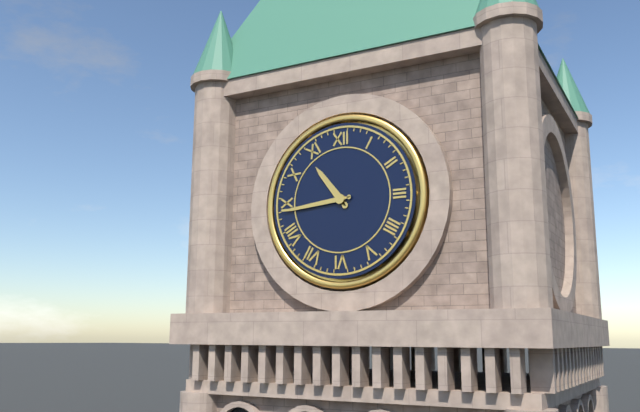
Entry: 10 h 44 min
